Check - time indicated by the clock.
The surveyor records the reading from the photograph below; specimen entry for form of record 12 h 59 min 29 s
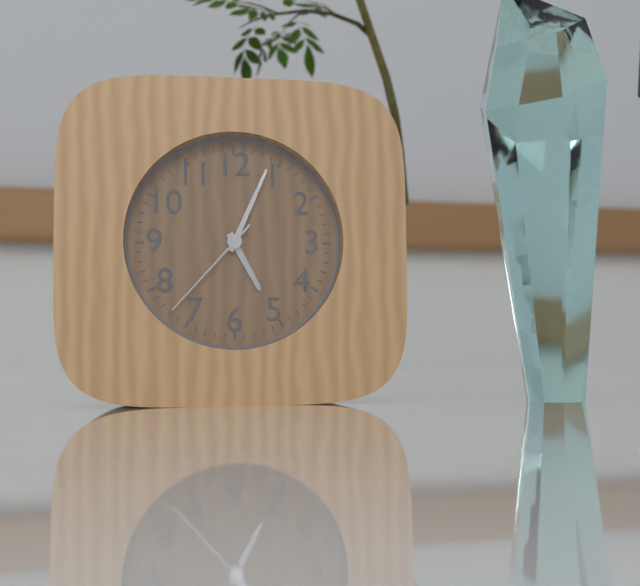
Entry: 5 h 04 min 37 s
